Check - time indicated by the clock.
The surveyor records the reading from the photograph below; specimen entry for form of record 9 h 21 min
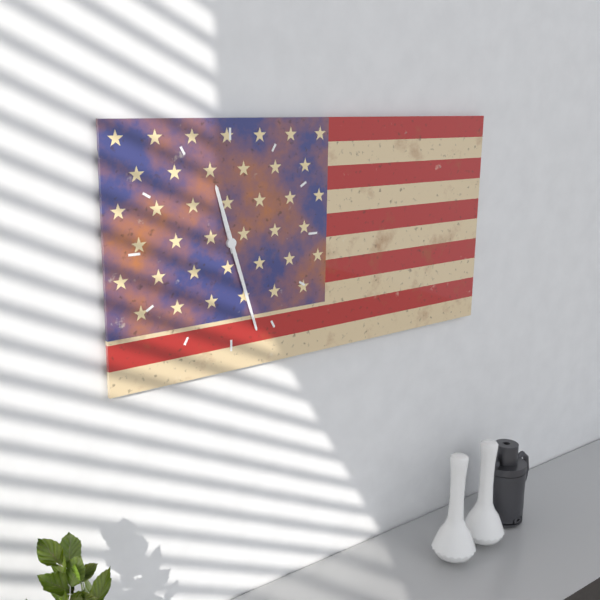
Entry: 11 h 27 min
